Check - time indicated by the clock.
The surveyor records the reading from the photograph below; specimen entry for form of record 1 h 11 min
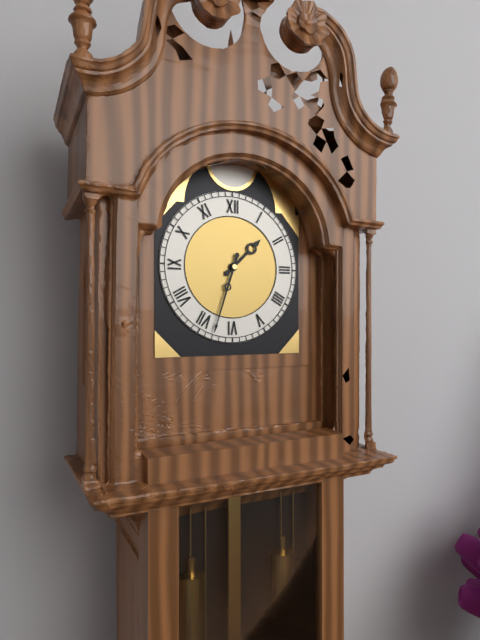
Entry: 1 h 33 min
